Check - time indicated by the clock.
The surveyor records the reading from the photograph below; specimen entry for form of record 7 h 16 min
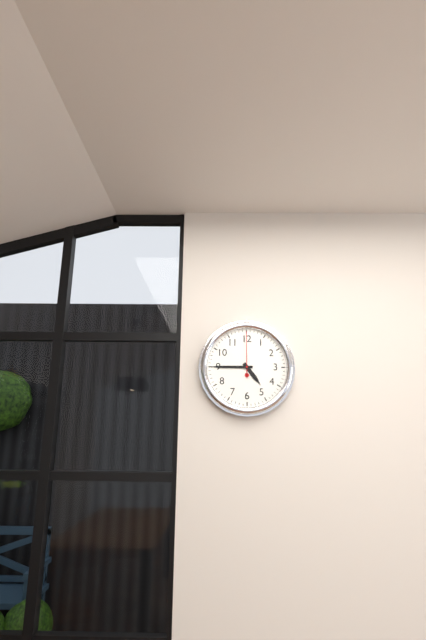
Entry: 4 h 45 min
